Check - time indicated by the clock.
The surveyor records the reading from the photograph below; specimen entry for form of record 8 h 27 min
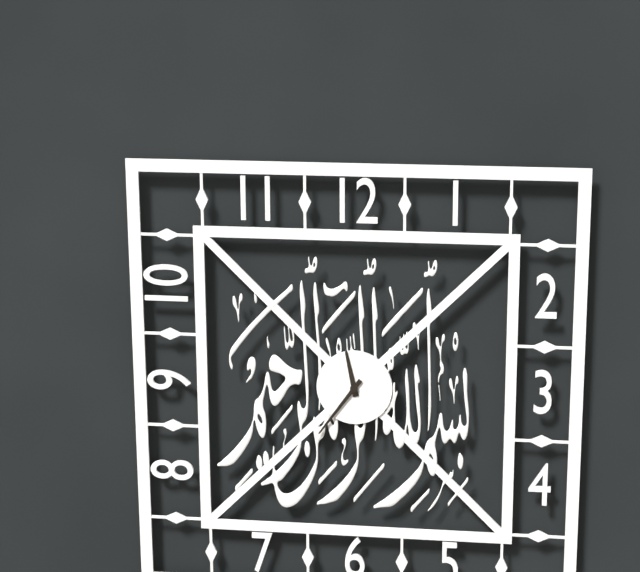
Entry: 11 h 36 min
